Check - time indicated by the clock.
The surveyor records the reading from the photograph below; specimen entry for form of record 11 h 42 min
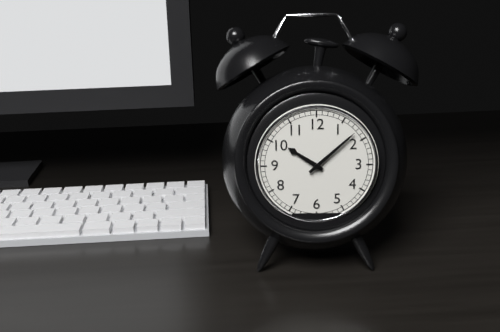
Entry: 10 h 08 min
